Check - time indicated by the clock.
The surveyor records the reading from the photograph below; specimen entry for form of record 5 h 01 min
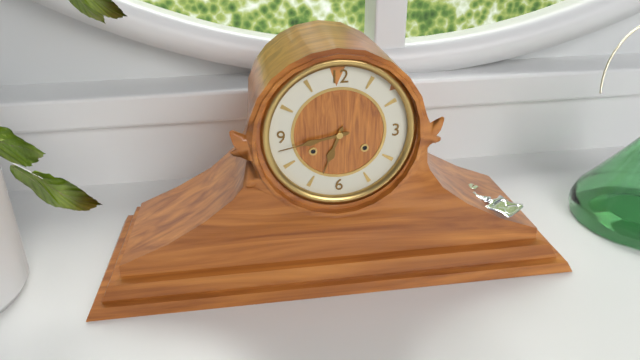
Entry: 6 h 43 min
